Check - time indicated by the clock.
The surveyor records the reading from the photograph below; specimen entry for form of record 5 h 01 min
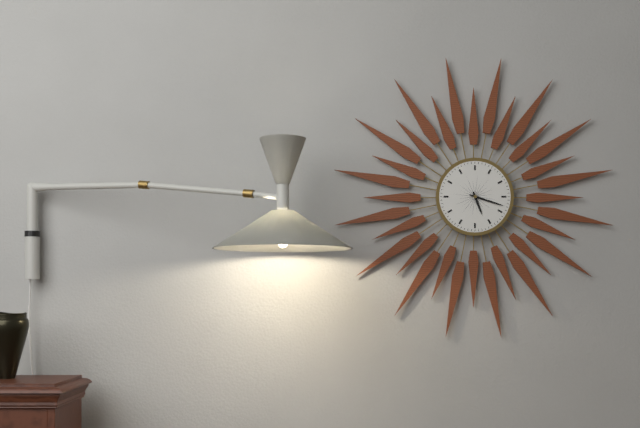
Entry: 5 h 18 min
